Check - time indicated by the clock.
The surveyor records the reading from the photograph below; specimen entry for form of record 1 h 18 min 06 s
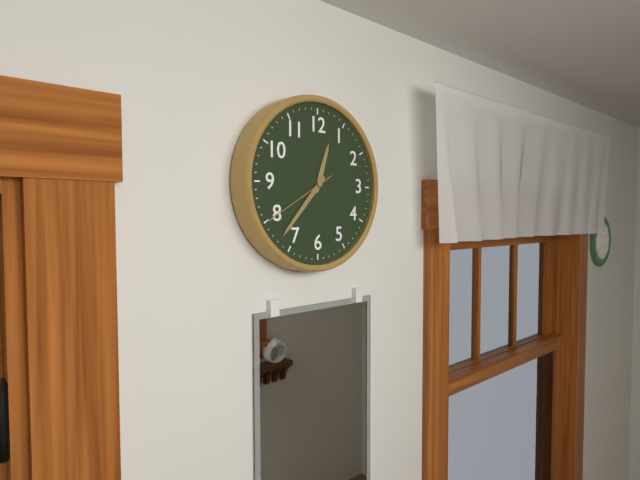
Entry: 12 h 37 min 40 s
